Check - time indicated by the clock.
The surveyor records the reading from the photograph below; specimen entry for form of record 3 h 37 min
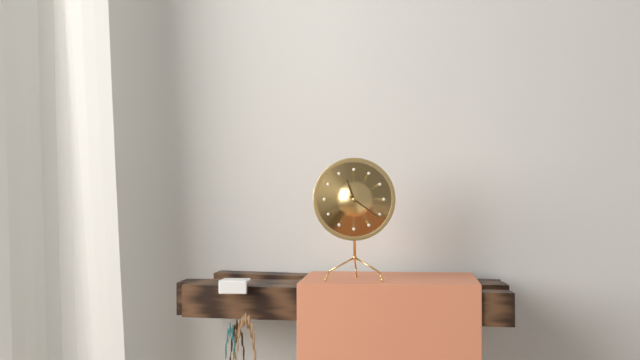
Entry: 11 h 21 min
